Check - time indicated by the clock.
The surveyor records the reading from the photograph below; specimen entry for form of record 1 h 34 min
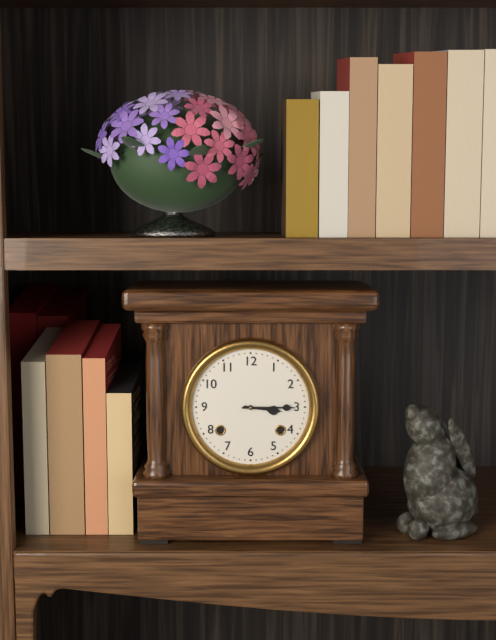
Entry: 3 h 15 min
